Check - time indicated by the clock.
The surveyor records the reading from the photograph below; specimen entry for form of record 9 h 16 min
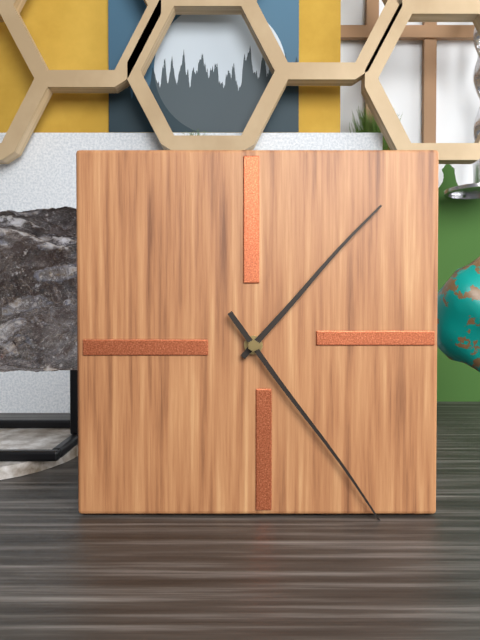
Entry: 1 h 24 min
